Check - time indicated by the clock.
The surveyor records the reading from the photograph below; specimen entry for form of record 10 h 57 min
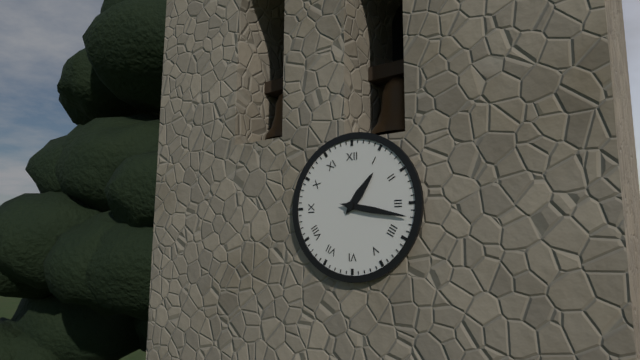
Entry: 1 h 17 min
